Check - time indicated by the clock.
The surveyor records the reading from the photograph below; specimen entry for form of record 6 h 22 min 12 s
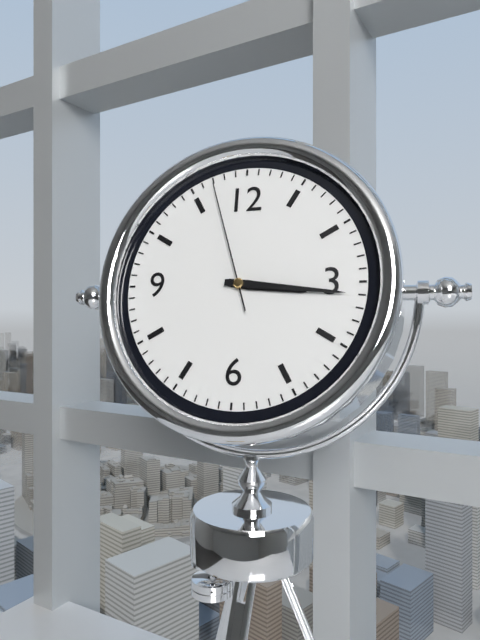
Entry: 3 h 16 min 57 s
